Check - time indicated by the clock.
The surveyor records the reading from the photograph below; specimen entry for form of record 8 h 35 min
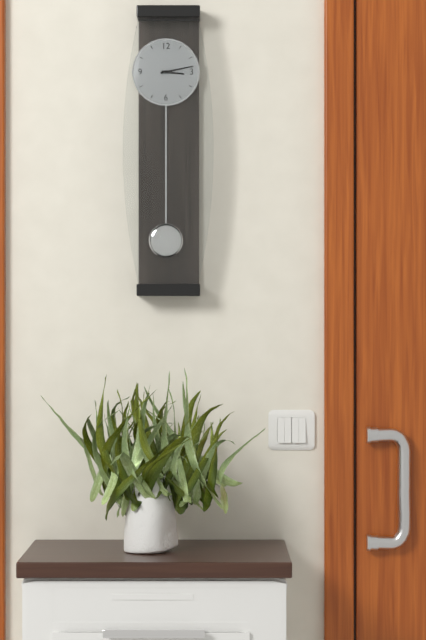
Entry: 3 h 13 min
